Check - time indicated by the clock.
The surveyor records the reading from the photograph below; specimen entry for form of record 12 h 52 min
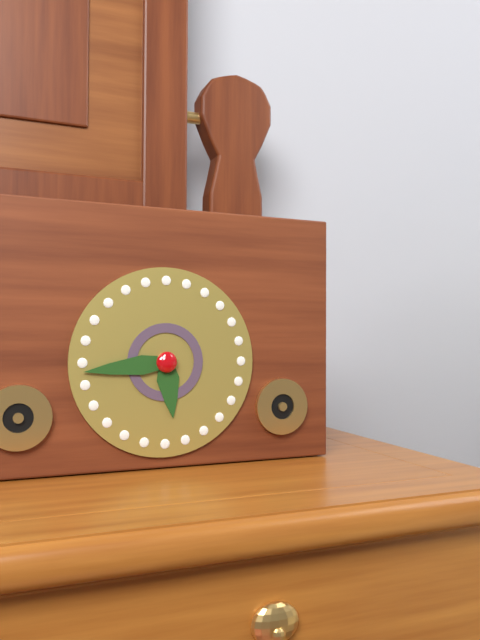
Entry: 5 h 44 min
